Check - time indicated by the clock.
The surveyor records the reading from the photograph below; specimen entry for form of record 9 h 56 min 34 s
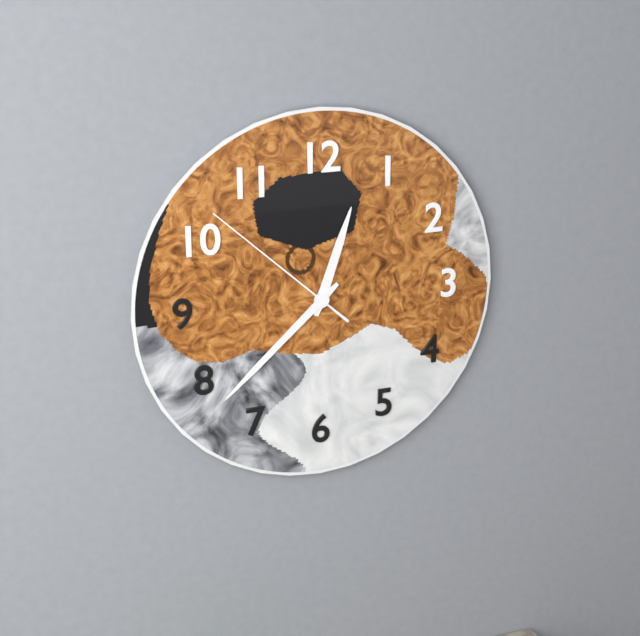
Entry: 12 h 38 min 52 s
